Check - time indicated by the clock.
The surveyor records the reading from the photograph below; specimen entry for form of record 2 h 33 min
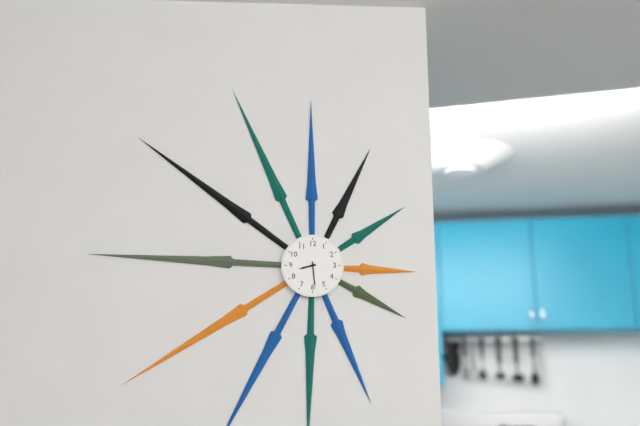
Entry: 8 h 29 min
